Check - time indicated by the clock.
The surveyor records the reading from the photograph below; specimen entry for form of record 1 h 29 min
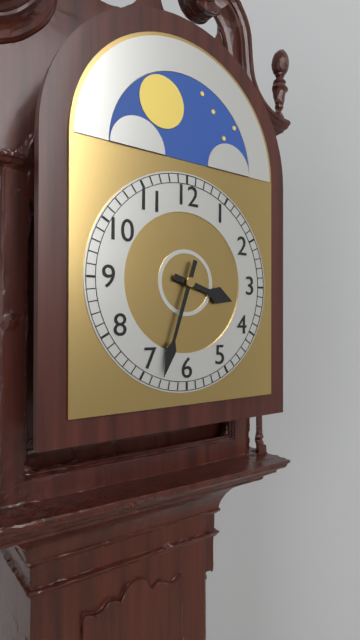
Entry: 3 h 33 min
